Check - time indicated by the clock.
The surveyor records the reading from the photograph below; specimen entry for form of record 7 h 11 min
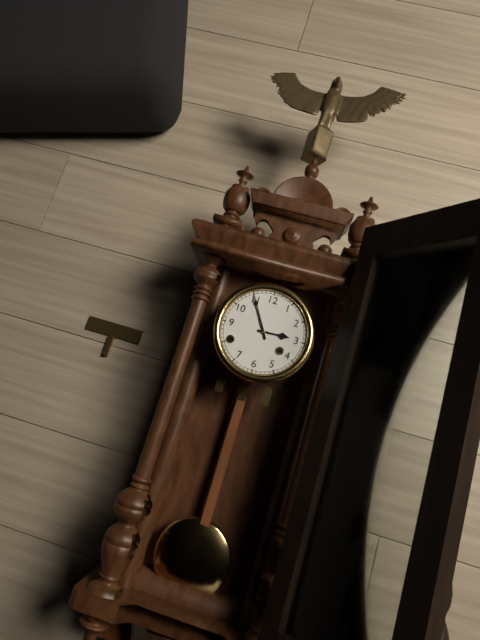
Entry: 2 h 55 min
